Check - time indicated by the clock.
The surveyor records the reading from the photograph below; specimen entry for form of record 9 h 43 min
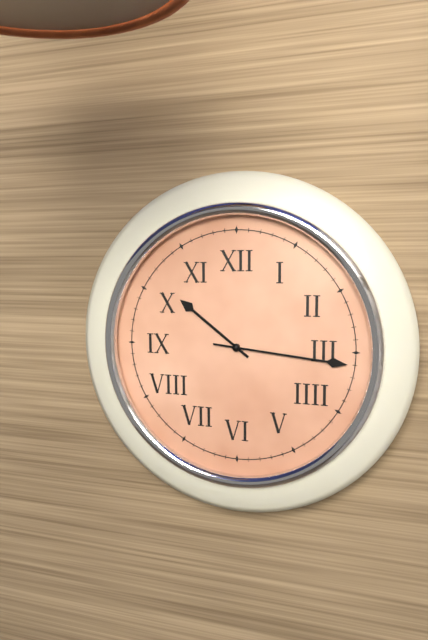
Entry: 10 h 16 min
